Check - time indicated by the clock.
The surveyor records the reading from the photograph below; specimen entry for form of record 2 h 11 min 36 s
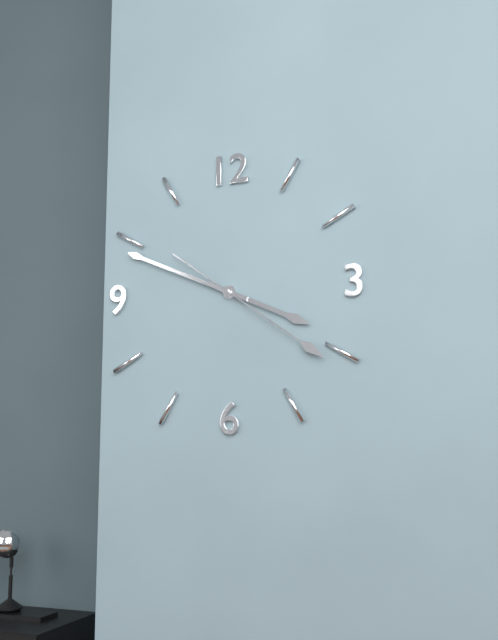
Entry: 3 h 49 min 21 s
